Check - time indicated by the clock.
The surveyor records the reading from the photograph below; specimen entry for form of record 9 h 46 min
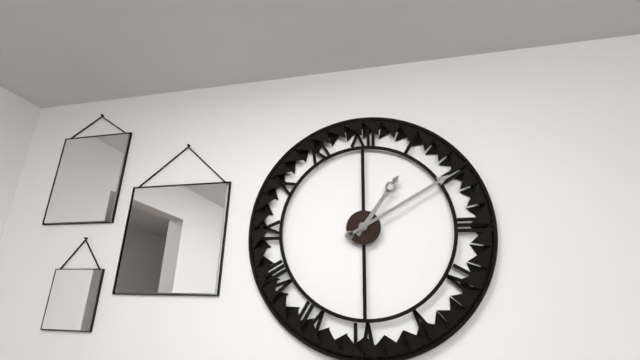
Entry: 1 h 10 min
